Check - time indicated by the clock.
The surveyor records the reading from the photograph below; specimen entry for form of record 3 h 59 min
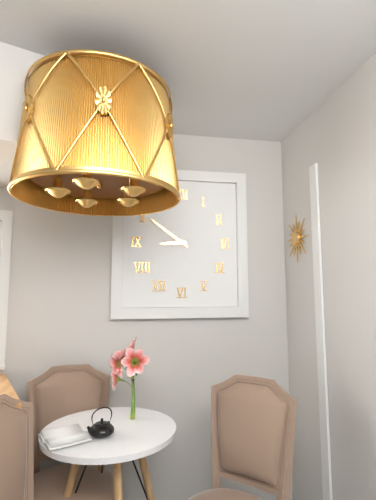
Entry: 8 h 51 min
